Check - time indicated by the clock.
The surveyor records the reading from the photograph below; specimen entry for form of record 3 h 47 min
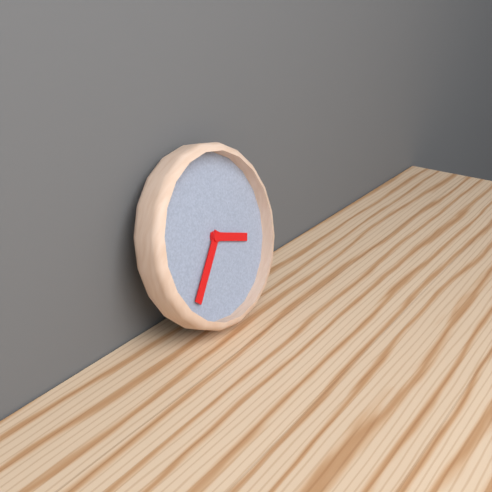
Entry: 3 h 37 min
